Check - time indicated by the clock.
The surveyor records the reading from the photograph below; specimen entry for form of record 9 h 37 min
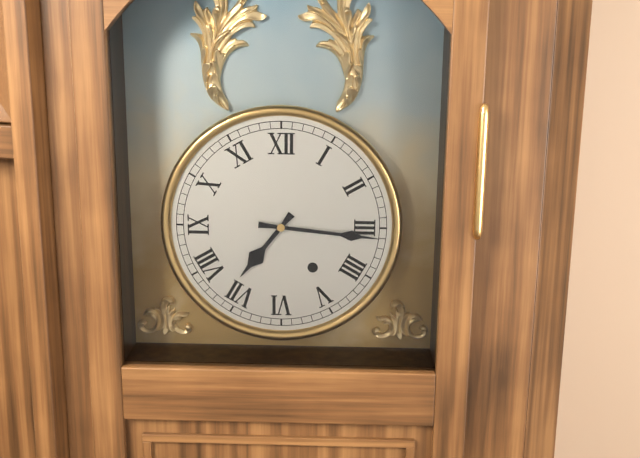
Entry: 7 h 16 min
